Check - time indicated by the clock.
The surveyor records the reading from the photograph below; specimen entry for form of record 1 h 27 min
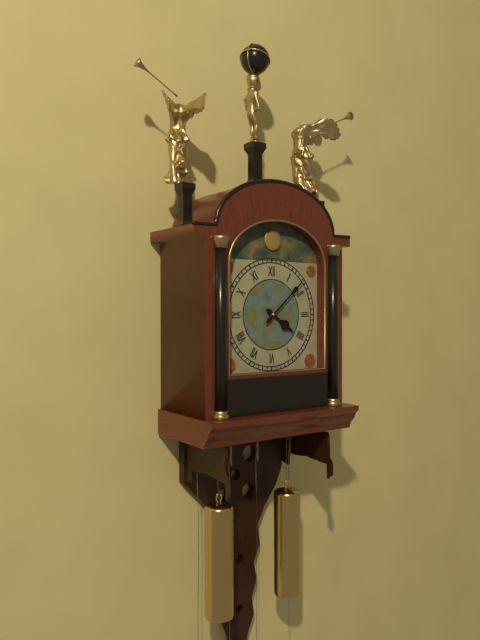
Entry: 4 h 08 min
